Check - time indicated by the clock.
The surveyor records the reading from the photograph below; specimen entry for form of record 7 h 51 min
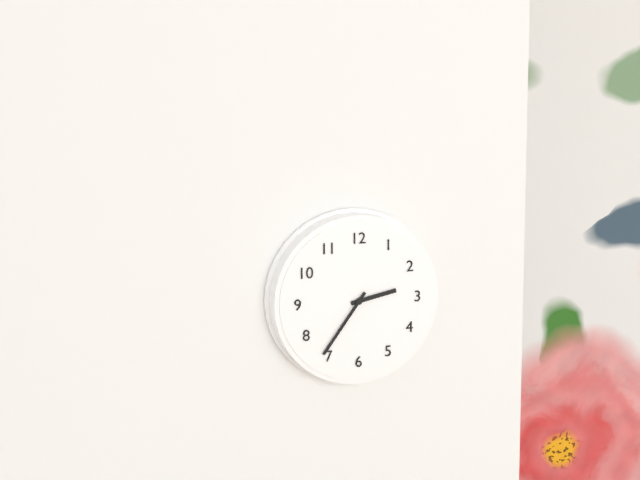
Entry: 2 h 36 min
